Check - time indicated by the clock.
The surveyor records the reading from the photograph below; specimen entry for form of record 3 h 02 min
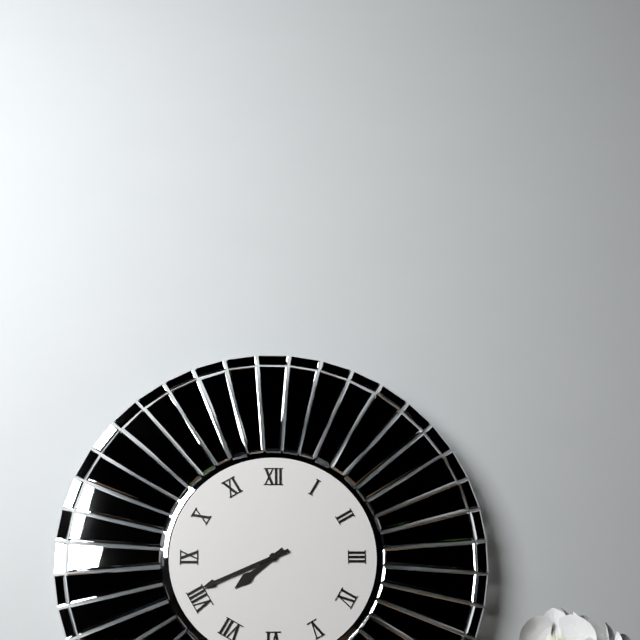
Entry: 7 h 41 min
